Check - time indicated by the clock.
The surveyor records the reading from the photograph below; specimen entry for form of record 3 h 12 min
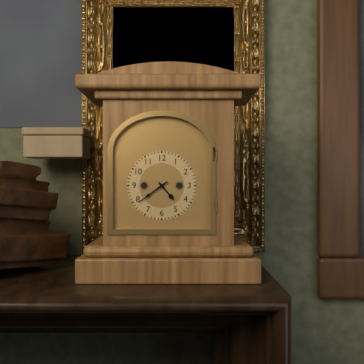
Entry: 4 h 39 min
